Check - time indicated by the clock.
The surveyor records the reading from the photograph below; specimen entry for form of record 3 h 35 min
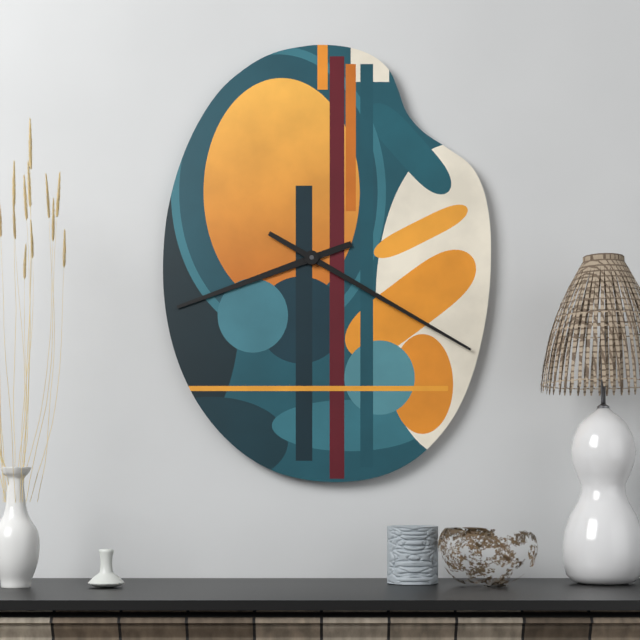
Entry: 8 h 20 min
